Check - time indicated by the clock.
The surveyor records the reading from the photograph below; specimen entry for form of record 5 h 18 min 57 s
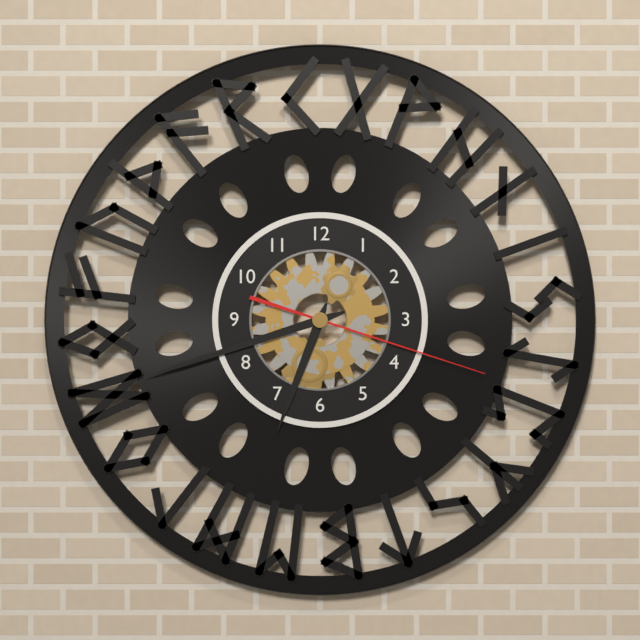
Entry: 6 h 42 min 18 s
